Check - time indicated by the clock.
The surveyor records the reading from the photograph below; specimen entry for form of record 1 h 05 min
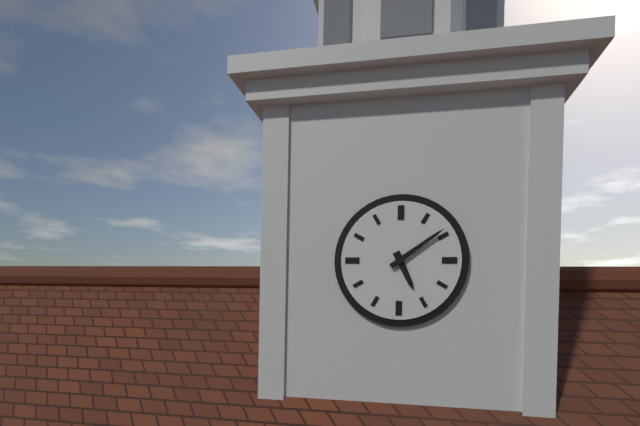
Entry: 5 h 09 min
